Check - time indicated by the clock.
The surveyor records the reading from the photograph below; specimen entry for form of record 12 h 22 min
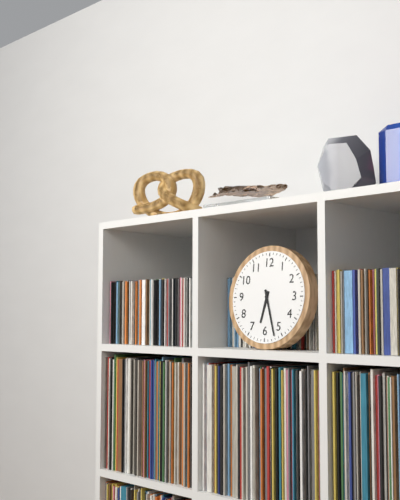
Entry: 6 h 27 min
